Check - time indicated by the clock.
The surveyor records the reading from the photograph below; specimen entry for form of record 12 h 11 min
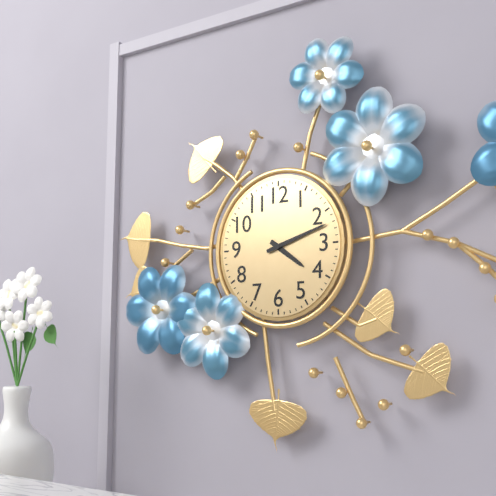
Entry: 4 h 12 min
